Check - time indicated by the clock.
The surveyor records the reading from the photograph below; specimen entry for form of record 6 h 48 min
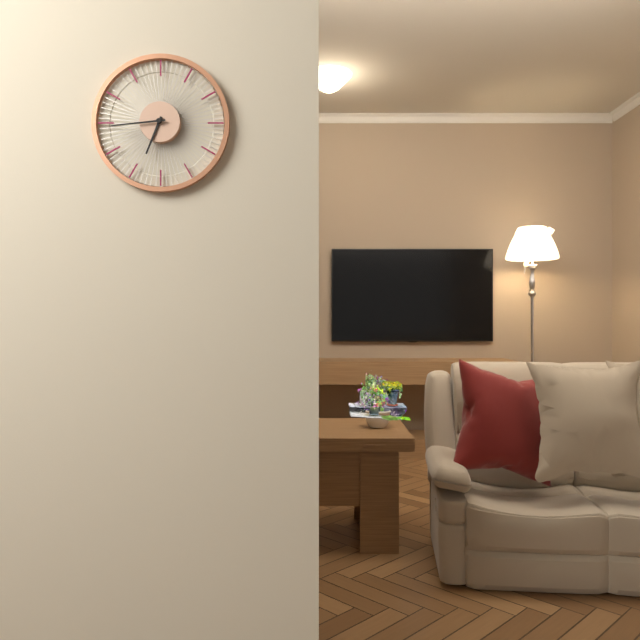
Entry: 6 h 44 min
